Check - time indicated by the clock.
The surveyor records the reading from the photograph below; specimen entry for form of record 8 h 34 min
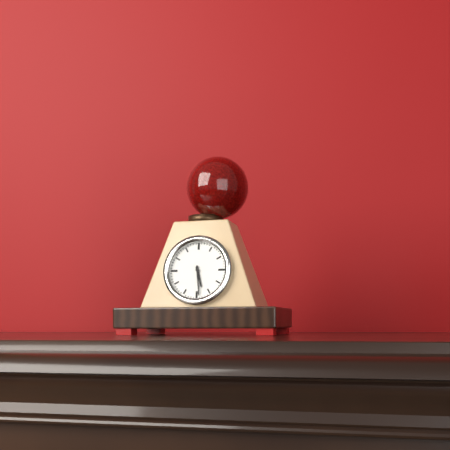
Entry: 5 h 29 min
